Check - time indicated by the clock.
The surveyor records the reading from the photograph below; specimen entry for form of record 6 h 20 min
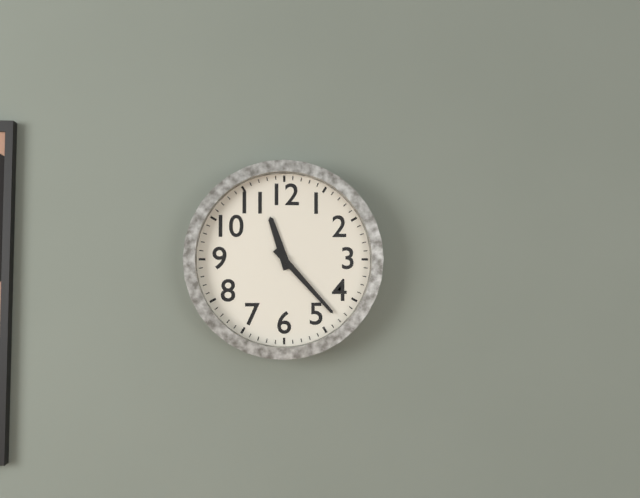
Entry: 11 h 23 min
